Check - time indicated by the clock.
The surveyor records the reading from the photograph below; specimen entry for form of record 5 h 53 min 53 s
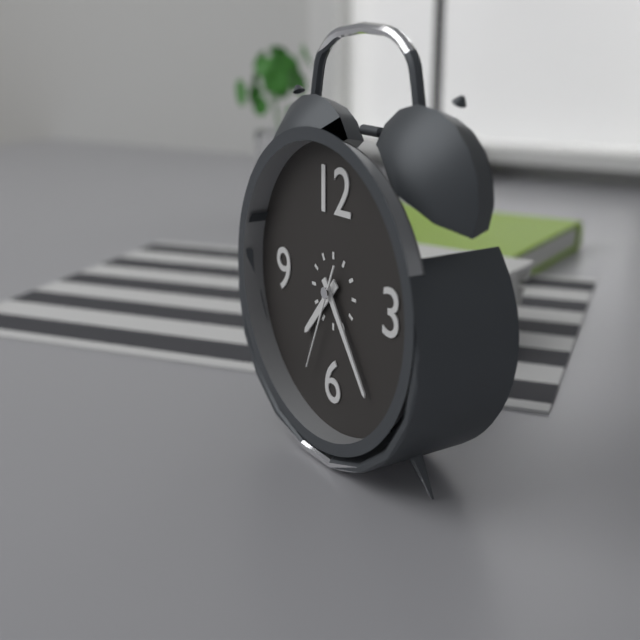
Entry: 7 h 24 min 34 s
